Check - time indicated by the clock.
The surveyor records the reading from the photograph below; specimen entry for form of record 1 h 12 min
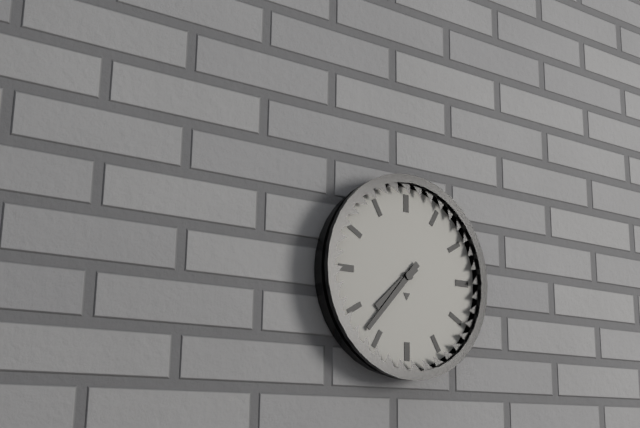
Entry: 7 h 37 min
